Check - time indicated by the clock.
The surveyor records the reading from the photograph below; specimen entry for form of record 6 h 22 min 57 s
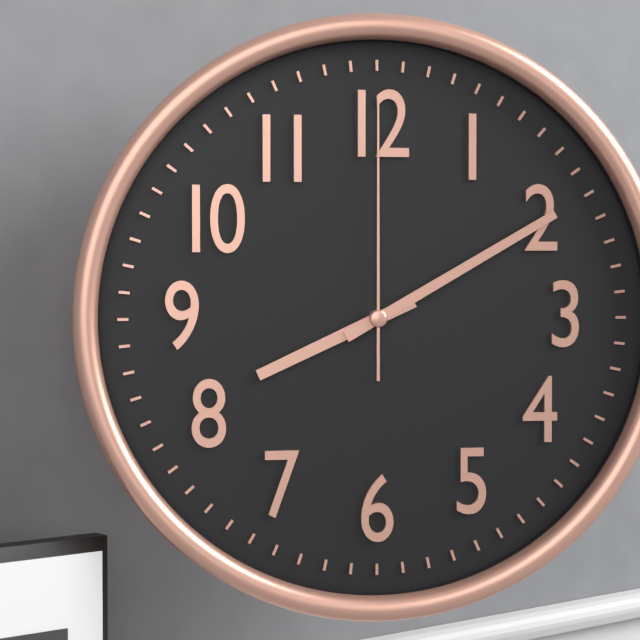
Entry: 8 h 10 min 00 s
